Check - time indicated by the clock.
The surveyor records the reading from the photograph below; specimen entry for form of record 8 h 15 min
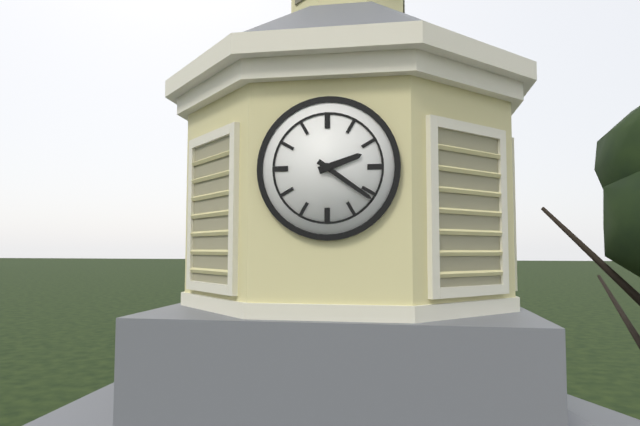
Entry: 2 h 21 min
